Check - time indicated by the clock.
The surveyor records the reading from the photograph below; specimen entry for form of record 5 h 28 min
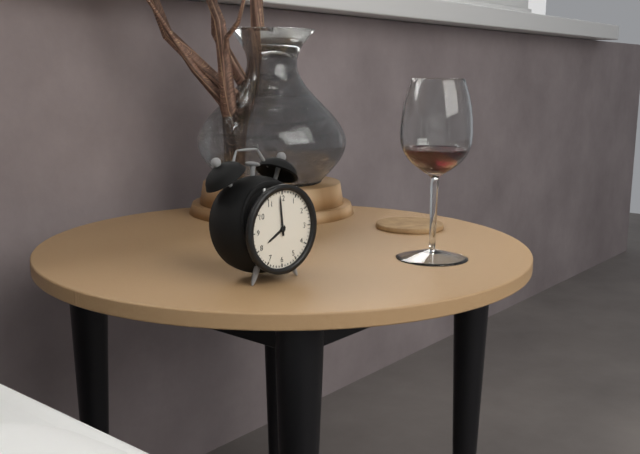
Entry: 7 h 59 min
